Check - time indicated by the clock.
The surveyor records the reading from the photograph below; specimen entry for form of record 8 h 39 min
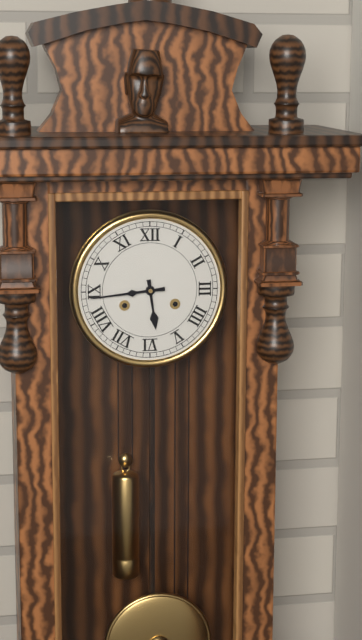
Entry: 5 h 44 min
